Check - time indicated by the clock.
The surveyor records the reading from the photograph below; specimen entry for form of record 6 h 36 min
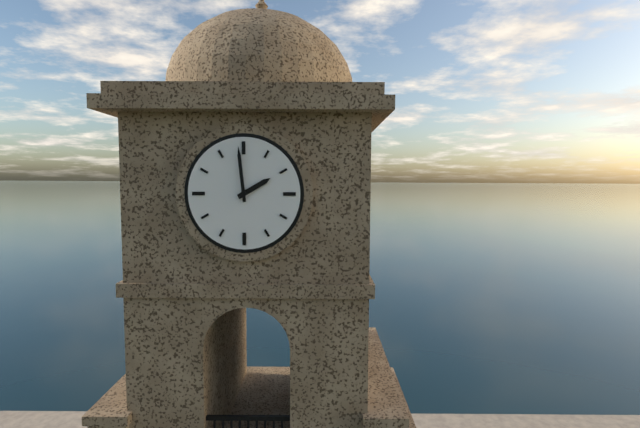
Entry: 1 h 59 min
